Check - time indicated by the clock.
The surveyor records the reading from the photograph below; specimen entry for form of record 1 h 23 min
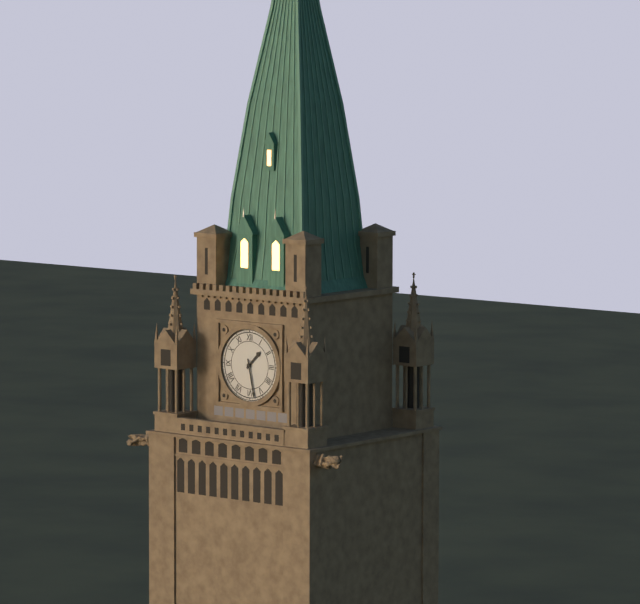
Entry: 1 h 28 min
